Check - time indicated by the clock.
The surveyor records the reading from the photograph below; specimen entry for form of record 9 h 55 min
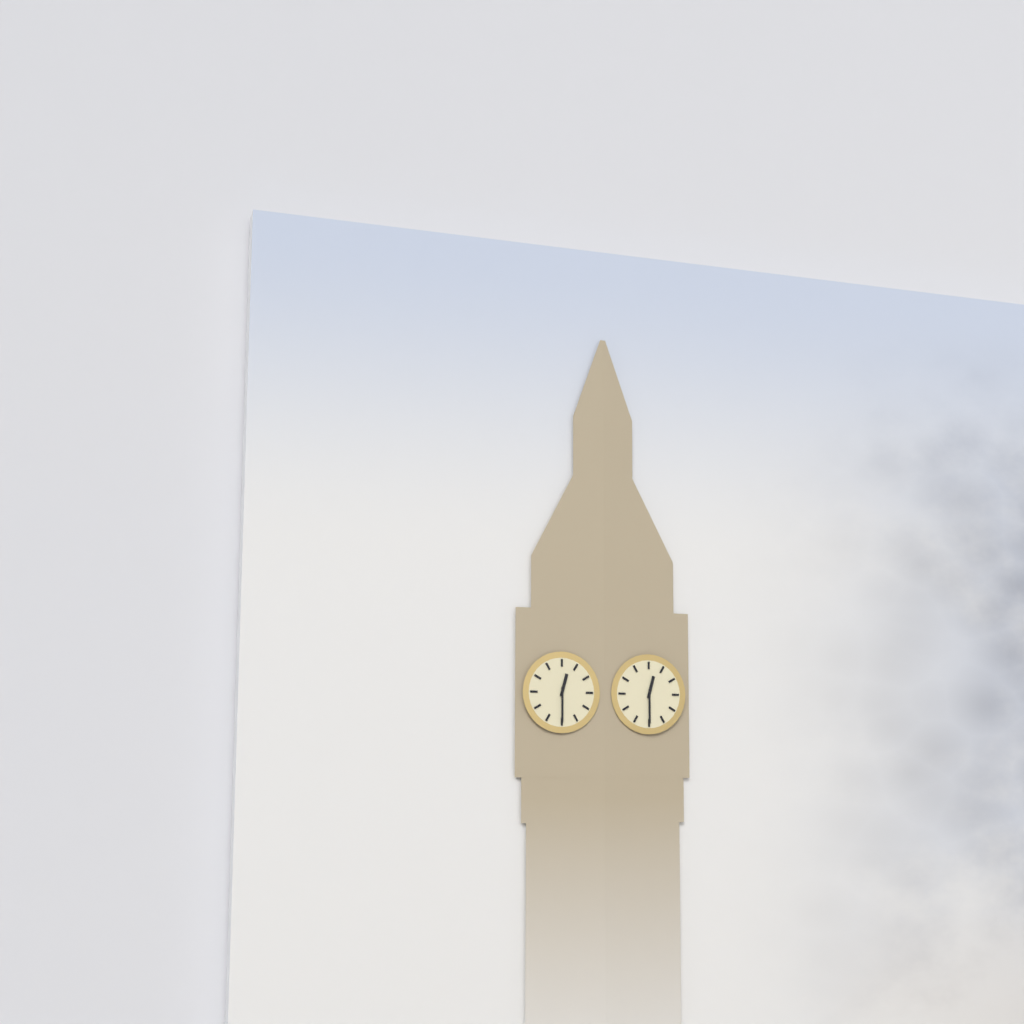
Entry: 12 h 30 min
